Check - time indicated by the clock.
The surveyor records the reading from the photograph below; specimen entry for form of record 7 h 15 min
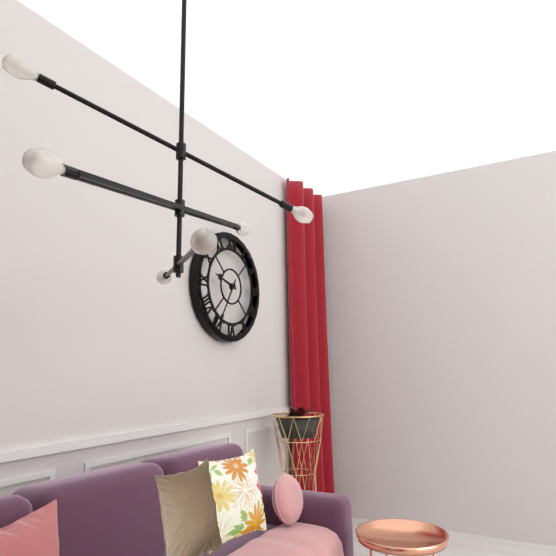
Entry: 9 h 35 min
